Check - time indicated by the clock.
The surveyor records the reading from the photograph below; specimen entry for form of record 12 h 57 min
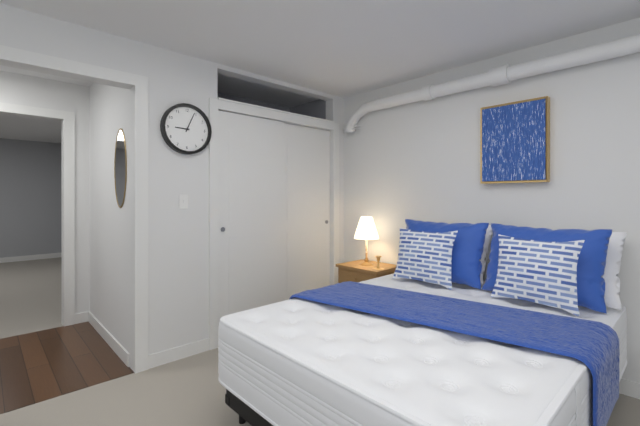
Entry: 9 h 04 min
